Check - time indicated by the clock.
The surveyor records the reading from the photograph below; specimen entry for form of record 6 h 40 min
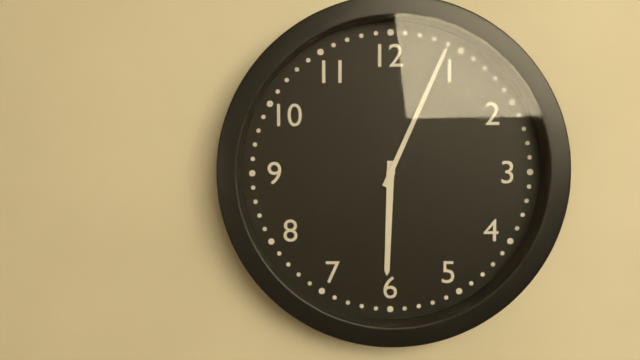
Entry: 6 h 04 min
